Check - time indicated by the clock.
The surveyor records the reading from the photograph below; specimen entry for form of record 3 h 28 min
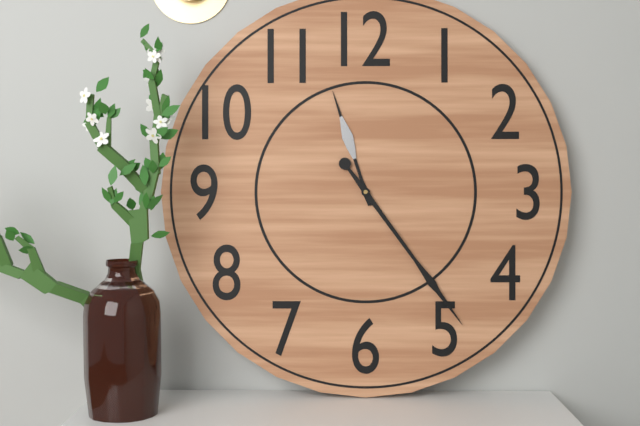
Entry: 11 h 24 min
